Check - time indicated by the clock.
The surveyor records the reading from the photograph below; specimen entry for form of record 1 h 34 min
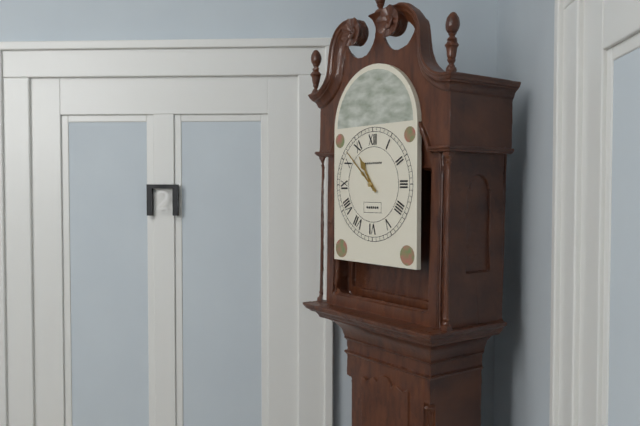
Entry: 10 h 52 min
